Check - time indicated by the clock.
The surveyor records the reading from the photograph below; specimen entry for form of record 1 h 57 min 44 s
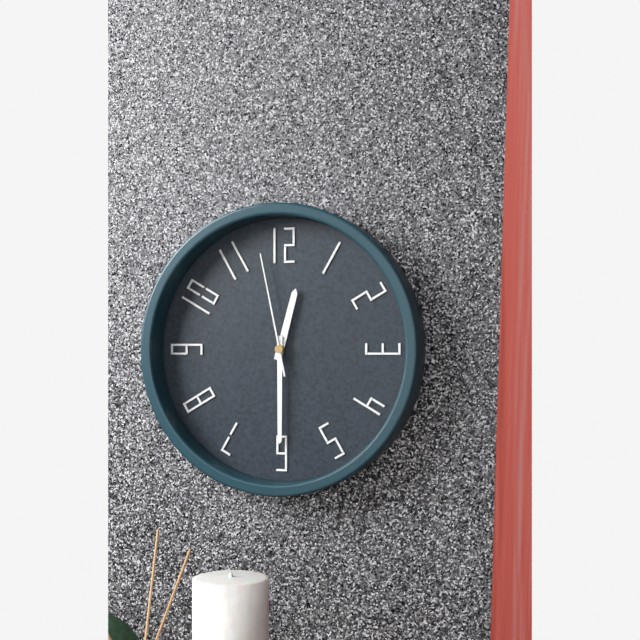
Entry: 12 h 30 min 58 s
